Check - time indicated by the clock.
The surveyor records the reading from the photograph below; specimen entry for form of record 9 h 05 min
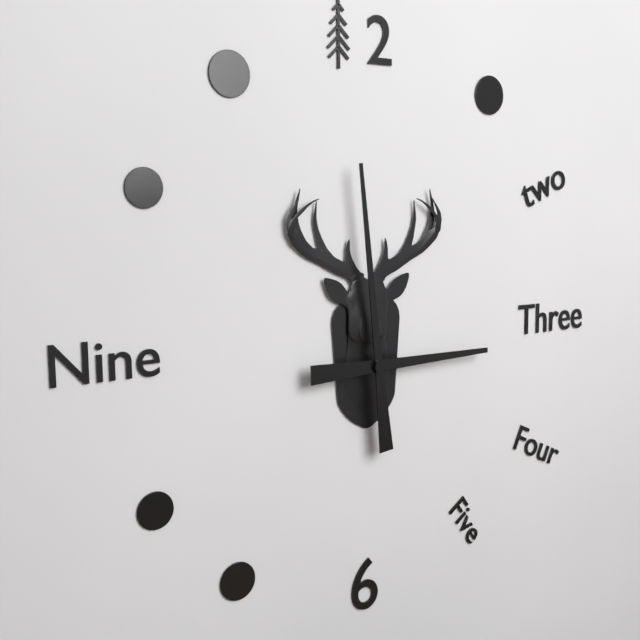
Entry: 2 h 59 min
